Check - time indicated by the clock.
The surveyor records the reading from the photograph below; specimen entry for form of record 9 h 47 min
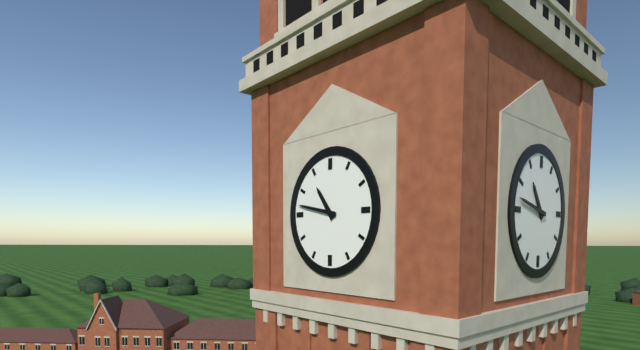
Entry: 10 h 47 min
